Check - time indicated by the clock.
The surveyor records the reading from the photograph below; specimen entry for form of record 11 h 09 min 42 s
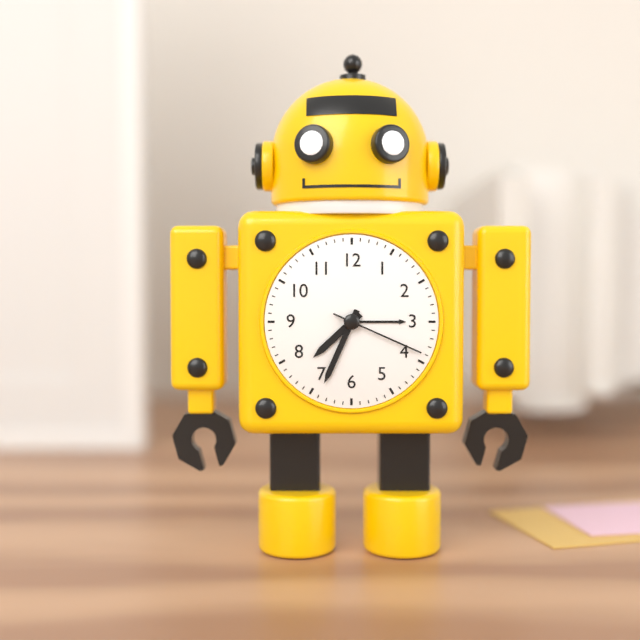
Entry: 7 h 34 min 19 s
